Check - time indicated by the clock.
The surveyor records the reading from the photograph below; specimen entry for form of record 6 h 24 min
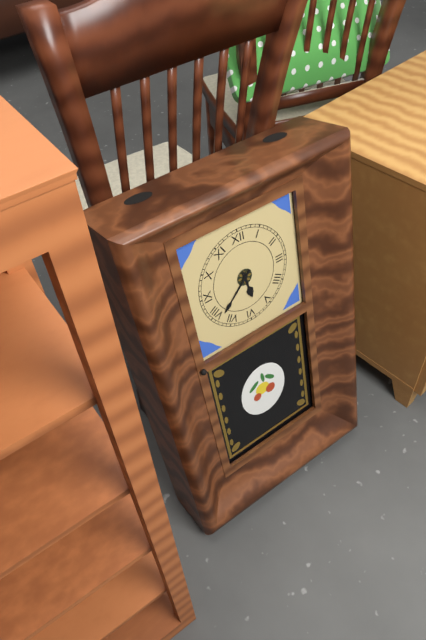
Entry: 5 h 38 min
